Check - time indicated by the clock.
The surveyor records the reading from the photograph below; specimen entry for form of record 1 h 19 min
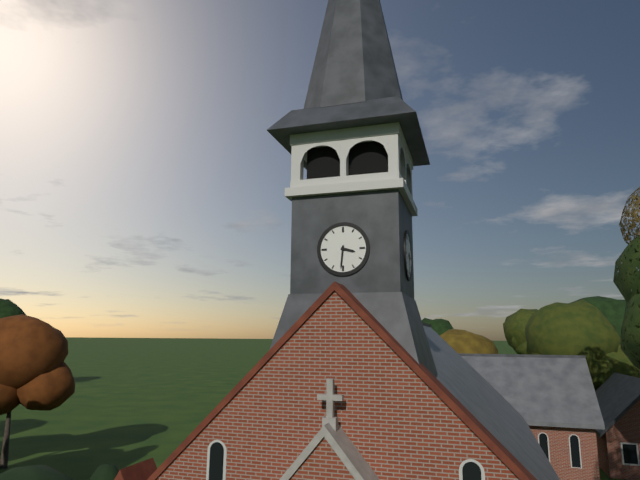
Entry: 3 h 31 min
